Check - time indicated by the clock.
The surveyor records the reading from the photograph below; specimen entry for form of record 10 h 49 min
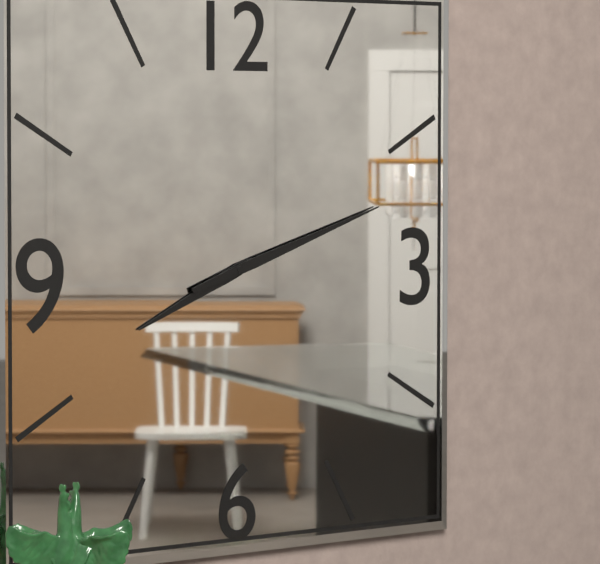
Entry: 8 h 12 min
